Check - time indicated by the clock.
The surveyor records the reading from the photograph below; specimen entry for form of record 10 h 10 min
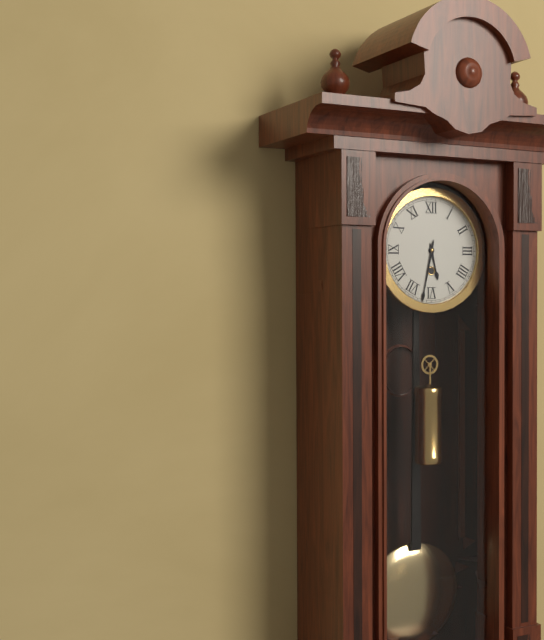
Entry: 5 h 32 min
